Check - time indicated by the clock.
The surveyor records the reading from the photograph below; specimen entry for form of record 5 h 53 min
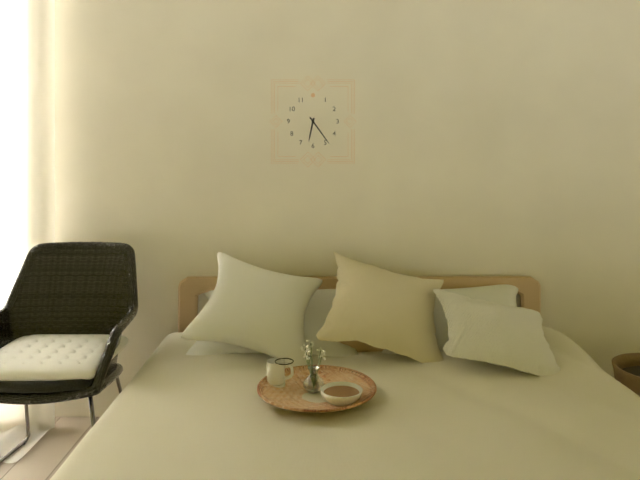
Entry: 6 h 24 min
